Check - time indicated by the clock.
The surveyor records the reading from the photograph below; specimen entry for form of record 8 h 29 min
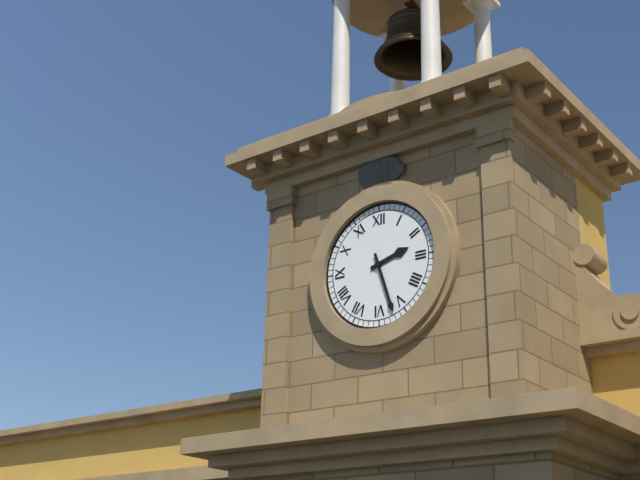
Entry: 2 h 27 min
